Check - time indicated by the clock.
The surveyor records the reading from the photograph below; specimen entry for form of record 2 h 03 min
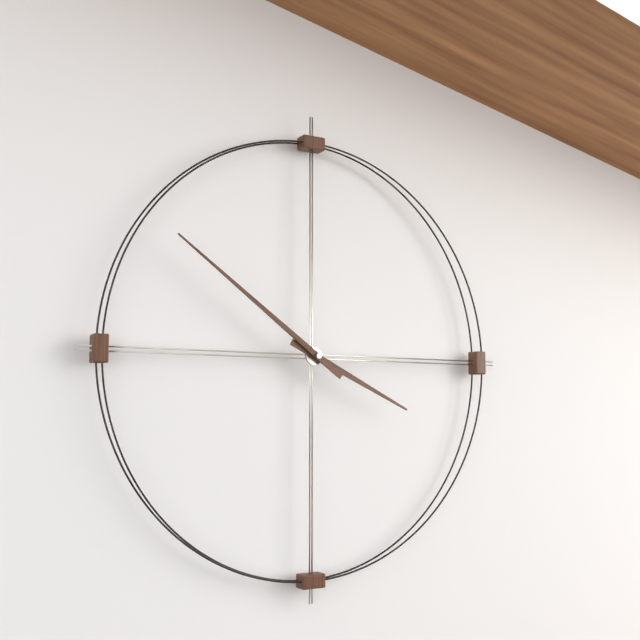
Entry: 3 h 51 min
